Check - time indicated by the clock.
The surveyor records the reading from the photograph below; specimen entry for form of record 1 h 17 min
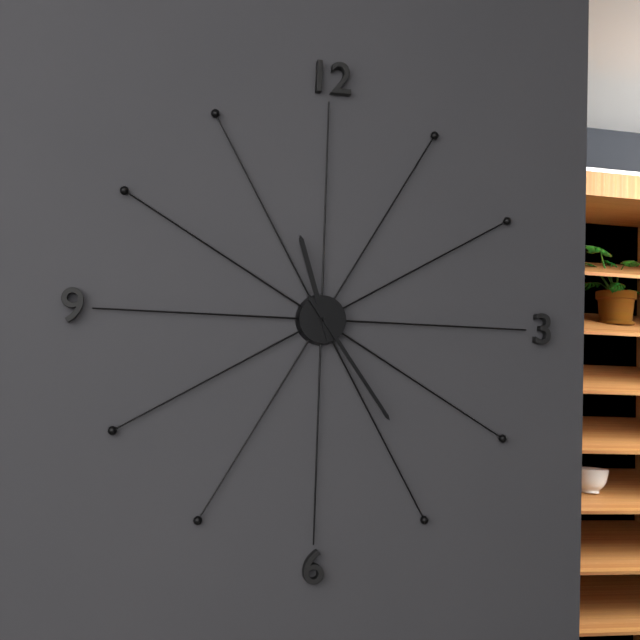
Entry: 11 h 24 min
